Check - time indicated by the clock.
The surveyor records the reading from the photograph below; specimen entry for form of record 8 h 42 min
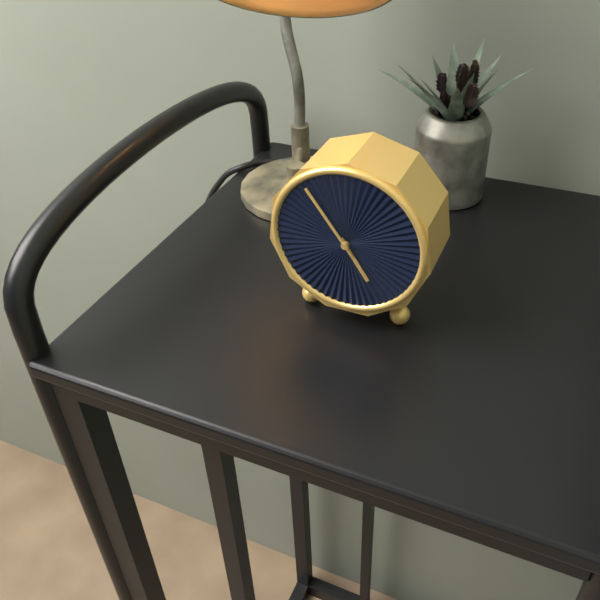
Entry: 4 h 54 min
